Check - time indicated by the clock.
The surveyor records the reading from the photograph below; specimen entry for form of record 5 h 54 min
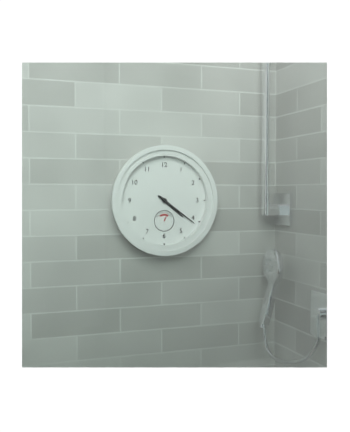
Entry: 4 h 21 min
